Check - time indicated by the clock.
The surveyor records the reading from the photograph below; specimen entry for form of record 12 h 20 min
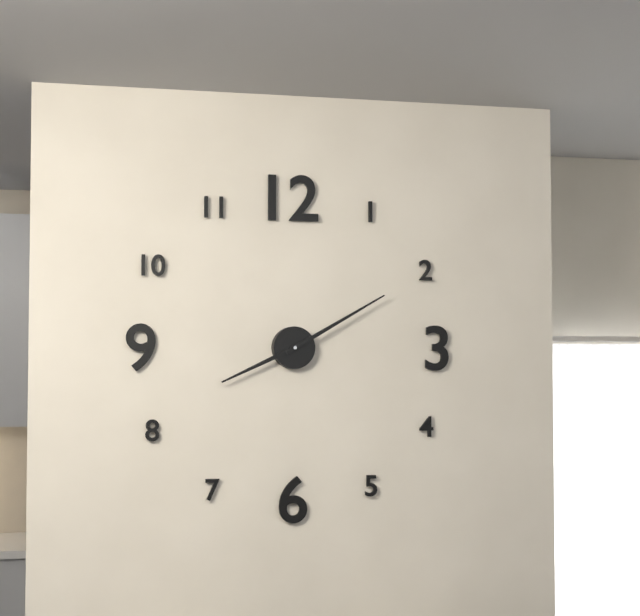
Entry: 8 h 10 min
